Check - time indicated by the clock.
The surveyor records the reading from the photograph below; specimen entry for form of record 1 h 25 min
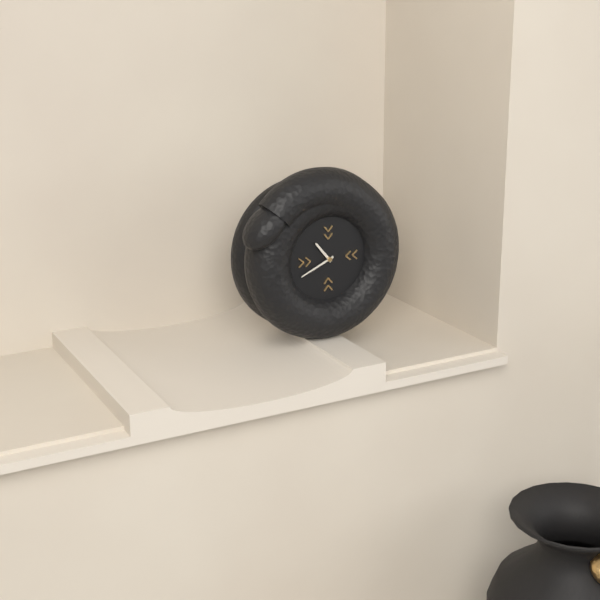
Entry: 10 h 41 min
